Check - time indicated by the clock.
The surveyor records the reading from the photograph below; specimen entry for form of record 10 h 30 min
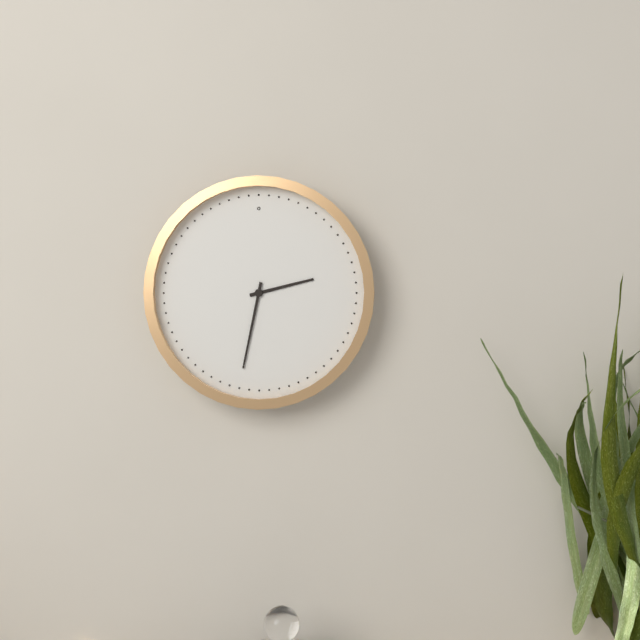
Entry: 2 h 32 min
